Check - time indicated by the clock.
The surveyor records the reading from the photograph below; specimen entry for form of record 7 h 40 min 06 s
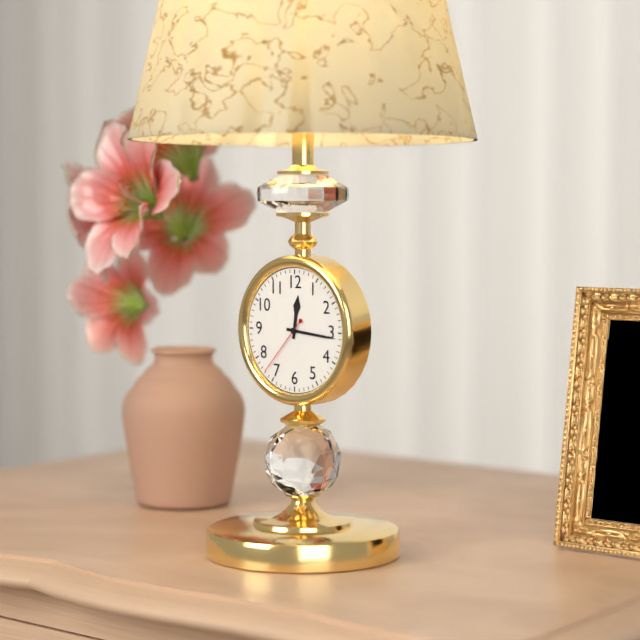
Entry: 12 h 16 min 37 s
